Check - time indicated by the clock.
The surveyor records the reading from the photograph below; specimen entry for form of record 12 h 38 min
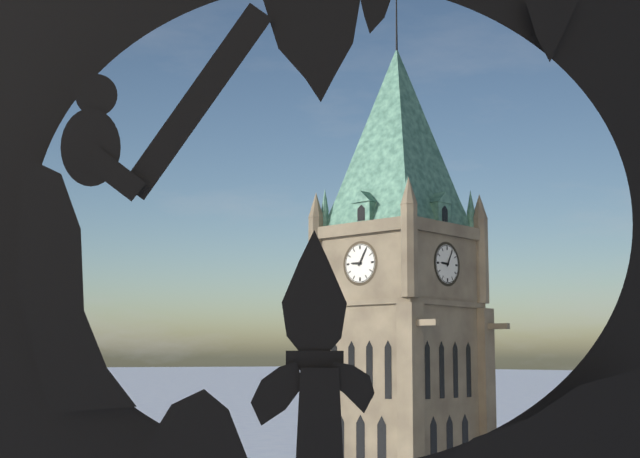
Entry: 9 h 05 min
